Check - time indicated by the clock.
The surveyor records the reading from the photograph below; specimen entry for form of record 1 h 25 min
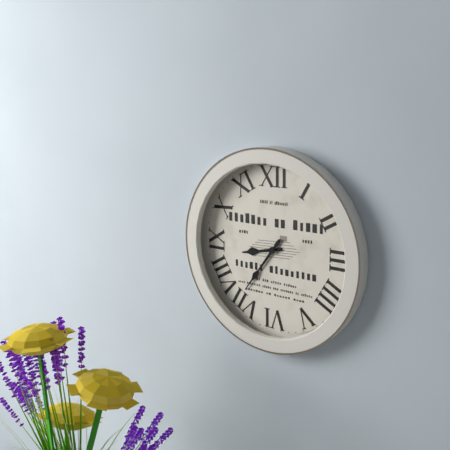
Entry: 8 h 36 min
